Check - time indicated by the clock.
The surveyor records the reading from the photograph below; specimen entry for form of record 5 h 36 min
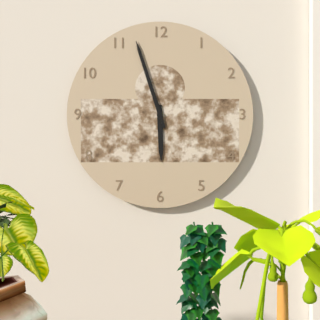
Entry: 5 h 57 min
